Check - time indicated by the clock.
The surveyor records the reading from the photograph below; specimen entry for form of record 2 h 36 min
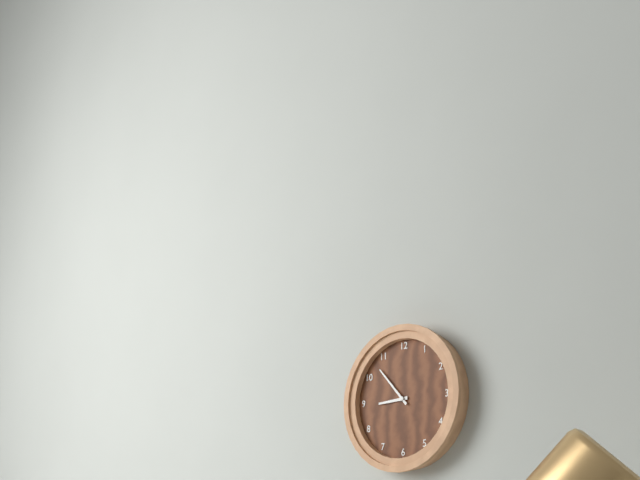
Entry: 8 h 53 min
